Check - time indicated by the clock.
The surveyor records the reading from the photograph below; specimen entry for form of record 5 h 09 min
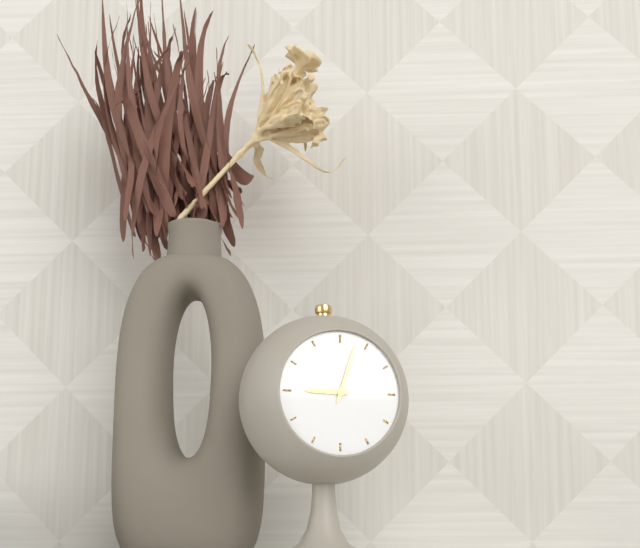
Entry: 9 h 03 min
